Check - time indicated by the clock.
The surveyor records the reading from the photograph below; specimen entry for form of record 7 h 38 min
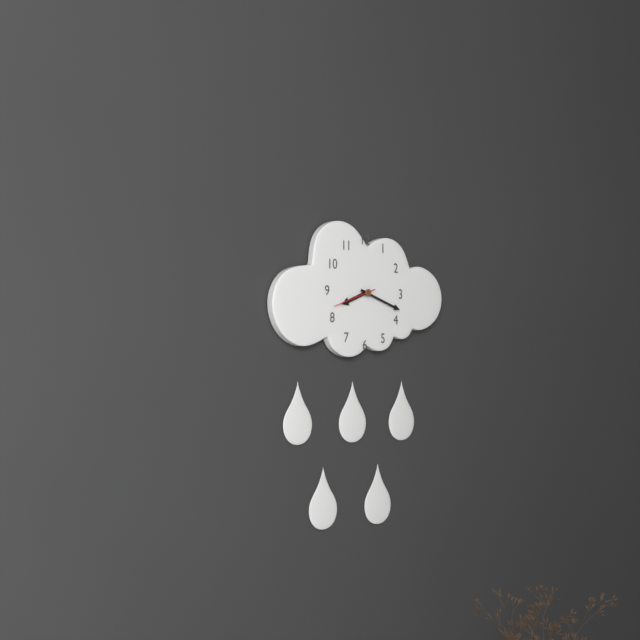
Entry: 8 h 18 min
